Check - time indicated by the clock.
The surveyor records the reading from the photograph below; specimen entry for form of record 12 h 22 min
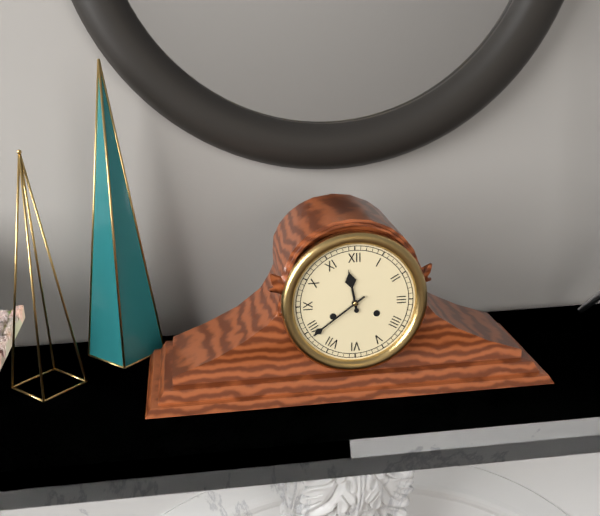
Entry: 11 h 39 min
